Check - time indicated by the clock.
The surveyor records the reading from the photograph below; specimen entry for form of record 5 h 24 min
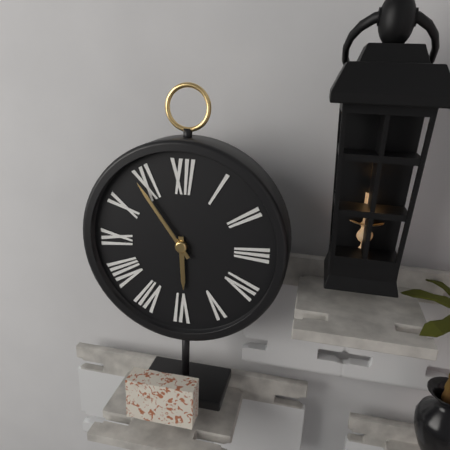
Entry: 5 h 54 min
